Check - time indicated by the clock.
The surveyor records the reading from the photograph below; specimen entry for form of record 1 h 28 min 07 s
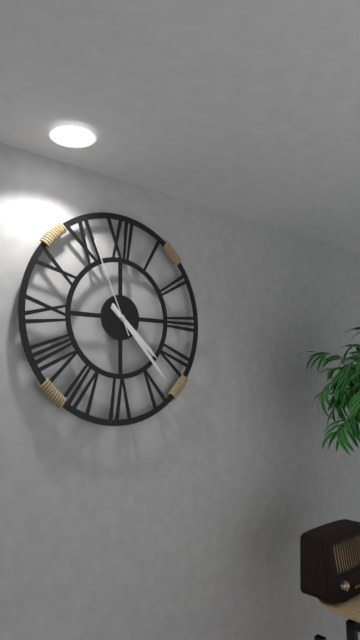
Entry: 4 h 23 min 56 s
